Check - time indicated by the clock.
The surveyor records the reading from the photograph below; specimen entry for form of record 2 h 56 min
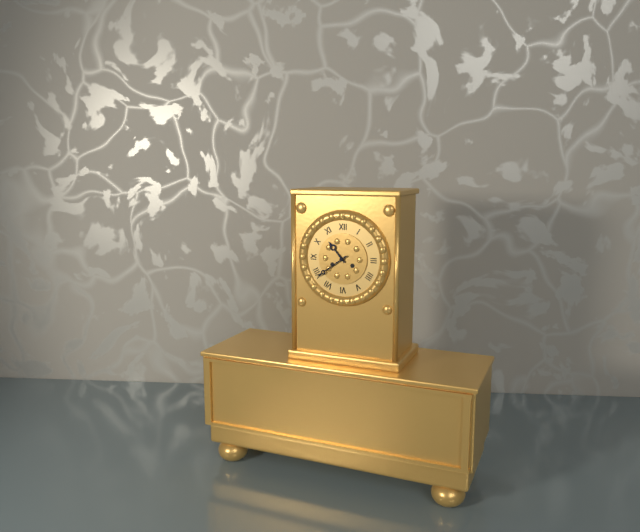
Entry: 10 h 39 min
